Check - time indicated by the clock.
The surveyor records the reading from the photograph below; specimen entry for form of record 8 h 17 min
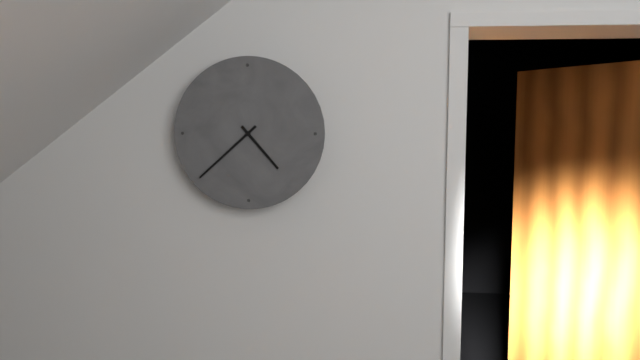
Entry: 4 h 38 min
